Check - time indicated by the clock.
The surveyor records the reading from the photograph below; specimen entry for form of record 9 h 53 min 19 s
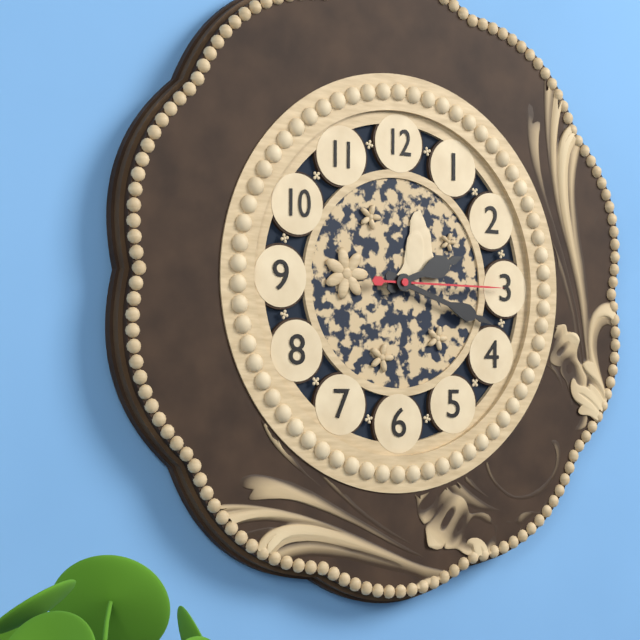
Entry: 2 h 18 min 15 s
